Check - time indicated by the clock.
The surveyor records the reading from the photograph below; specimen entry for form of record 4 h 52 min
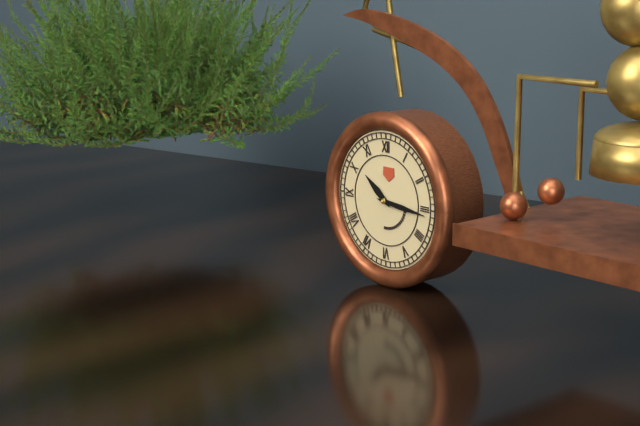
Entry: 10 h 16 min
